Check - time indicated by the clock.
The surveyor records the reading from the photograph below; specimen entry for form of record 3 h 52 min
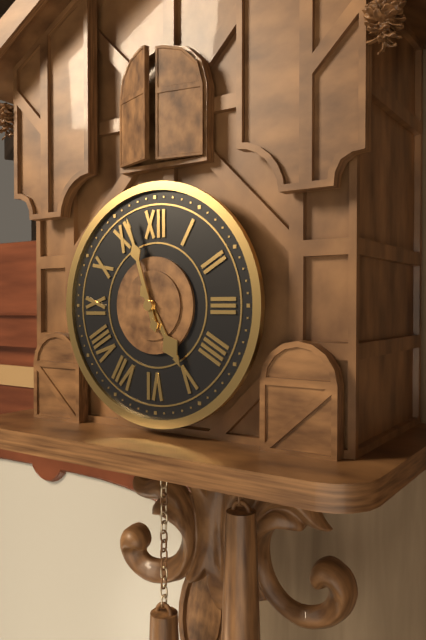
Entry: 4 h 57 min
